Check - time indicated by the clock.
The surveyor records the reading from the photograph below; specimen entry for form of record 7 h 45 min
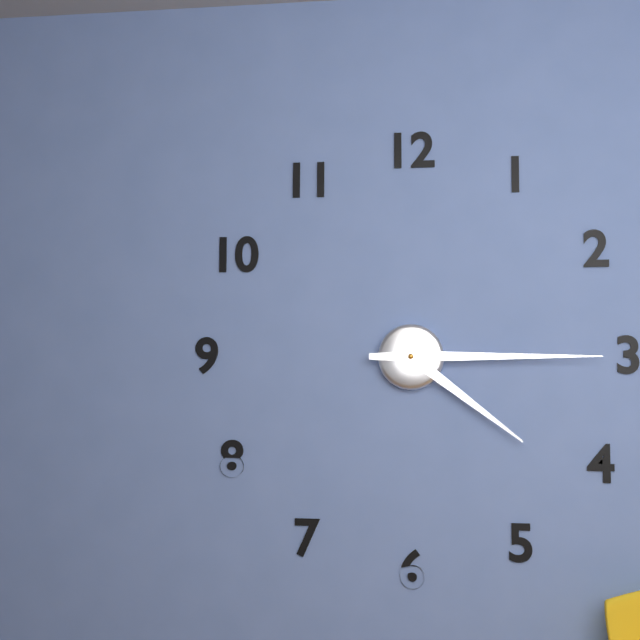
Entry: 4 h 15 min
